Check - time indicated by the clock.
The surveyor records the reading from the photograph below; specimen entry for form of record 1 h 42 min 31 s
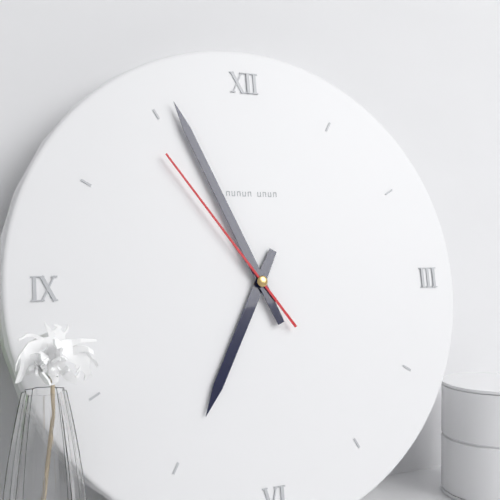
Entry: 6 h 56 min 54 s
